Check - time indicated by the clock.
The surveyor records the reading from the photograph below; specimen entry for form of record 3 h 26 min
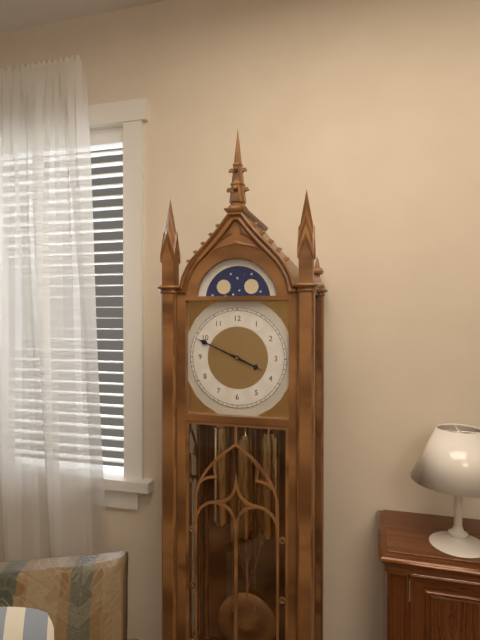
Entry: 3 h 49 min
